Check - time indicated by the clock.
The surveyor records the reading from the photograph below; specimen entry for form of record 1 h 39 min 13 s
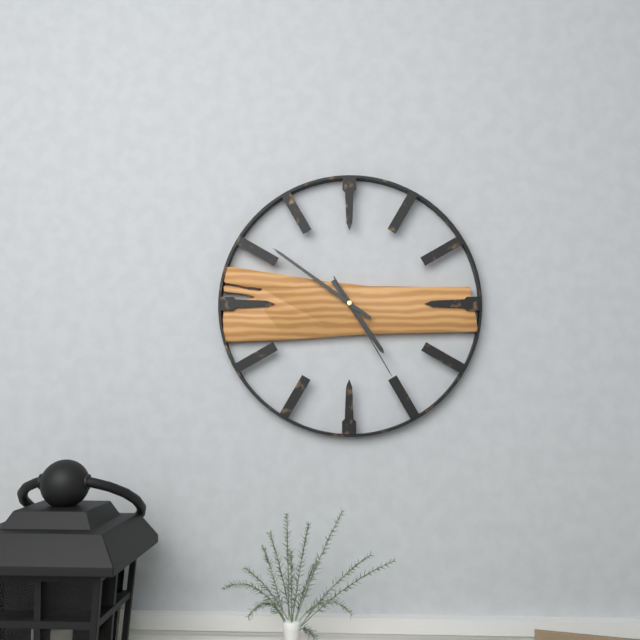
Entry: 4 h 51 min 25 s
